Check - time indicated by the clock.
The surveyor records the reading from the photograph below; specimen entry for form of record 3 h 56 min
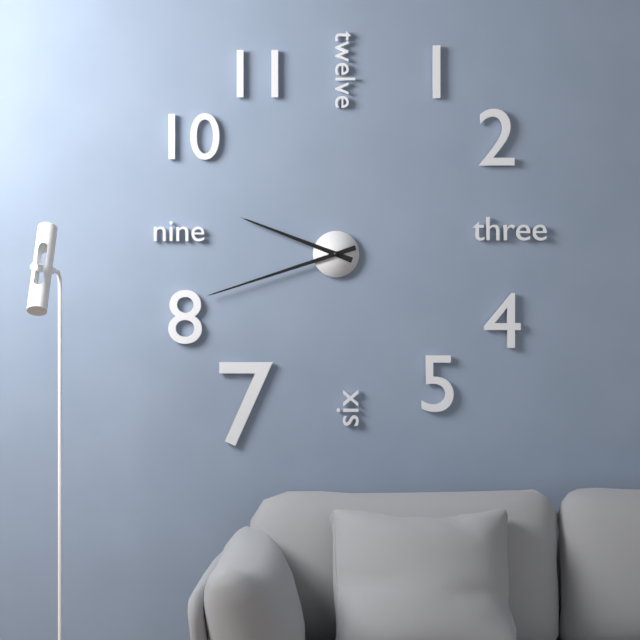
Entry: 9 h 42 min
